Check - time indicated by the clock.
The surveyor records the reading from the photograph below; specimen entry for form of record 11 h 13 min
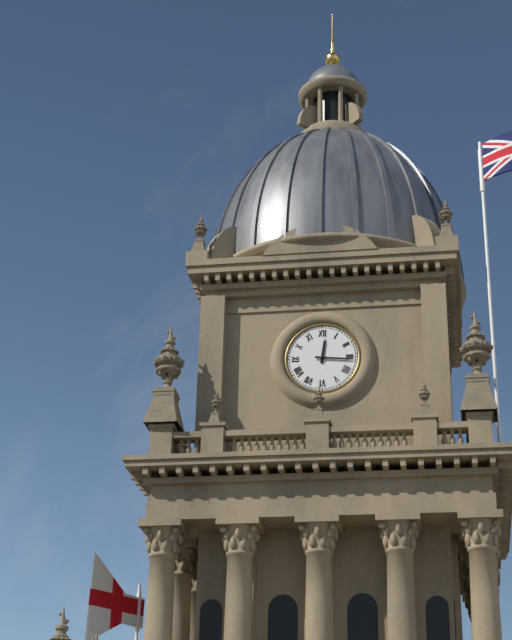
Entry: 12 h 16 min
